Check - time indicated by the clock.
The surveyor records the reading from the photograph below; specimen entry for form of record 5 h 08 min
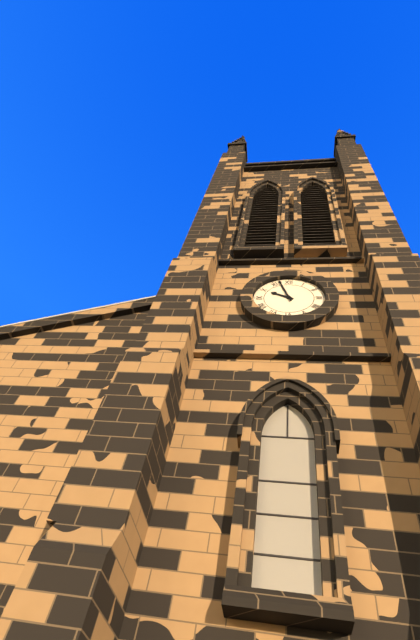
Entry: 9 h 57 min
